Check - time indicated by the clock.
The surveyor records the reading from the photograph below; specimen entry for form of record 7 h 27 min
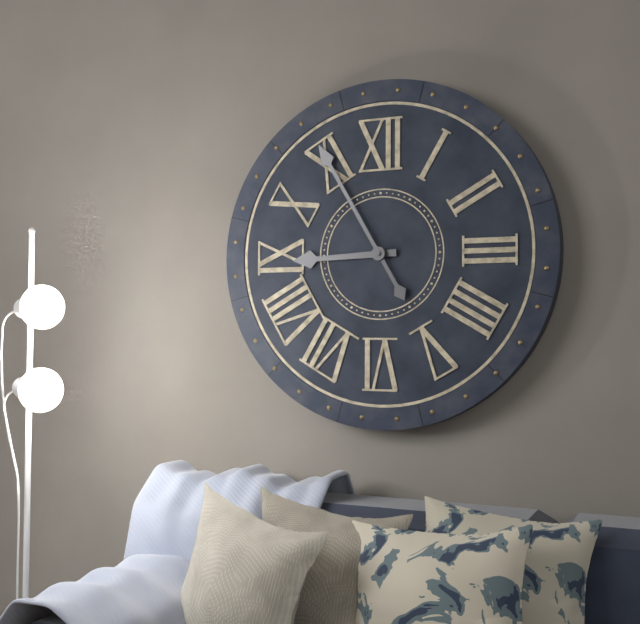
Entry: 8 h 55 min
